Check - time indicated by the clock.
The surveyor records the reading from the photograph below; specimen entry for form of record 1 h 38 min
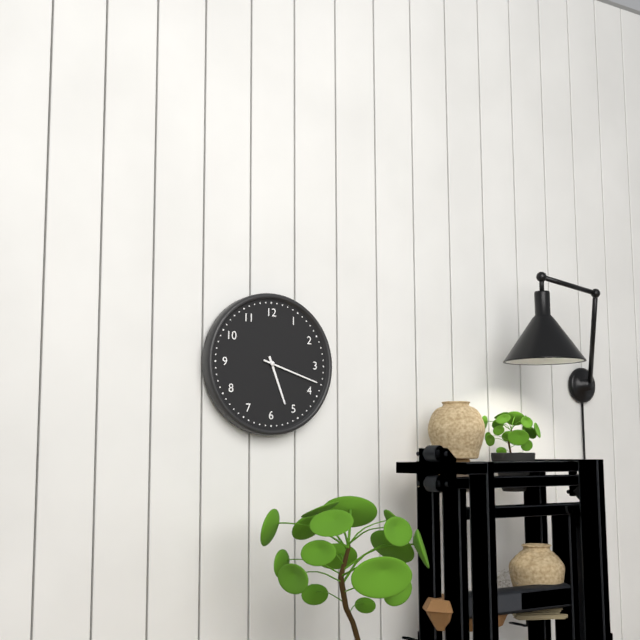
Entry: 5 h 18 min
